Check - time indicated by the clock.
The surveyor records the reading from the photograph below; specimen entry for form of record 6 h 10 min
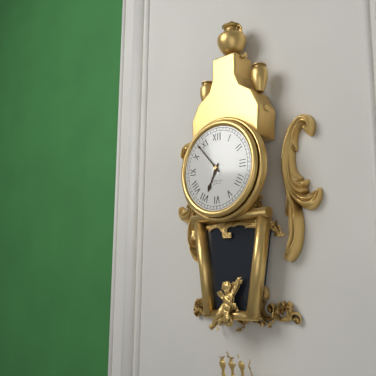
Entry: 6 h 53 min
